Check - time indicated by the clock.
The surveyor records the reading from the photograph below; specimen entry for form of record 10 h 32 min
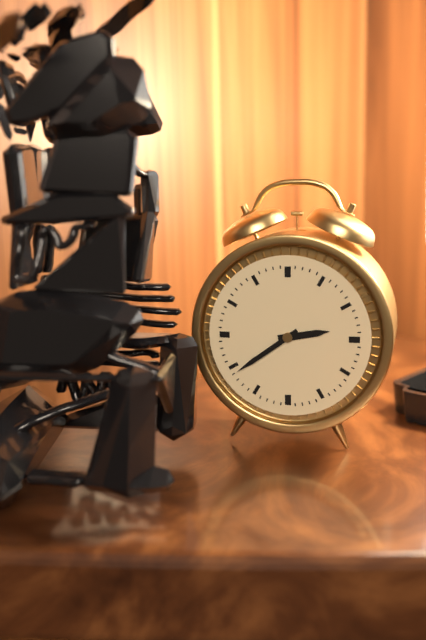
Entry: 2 h 39 min
